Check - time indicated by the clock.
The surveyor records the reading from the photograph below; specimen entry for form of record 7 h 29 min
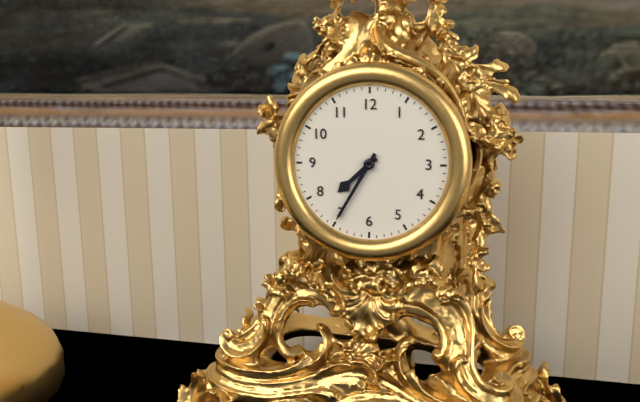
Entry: 7 h 35 min
